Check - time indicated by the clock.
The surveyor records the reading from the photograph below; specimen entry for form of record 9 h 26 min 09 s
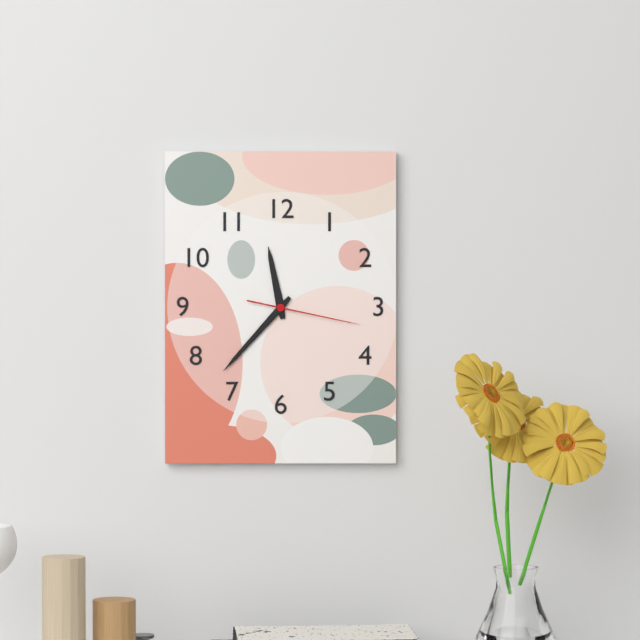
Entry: 11 h 37 min 17 s
